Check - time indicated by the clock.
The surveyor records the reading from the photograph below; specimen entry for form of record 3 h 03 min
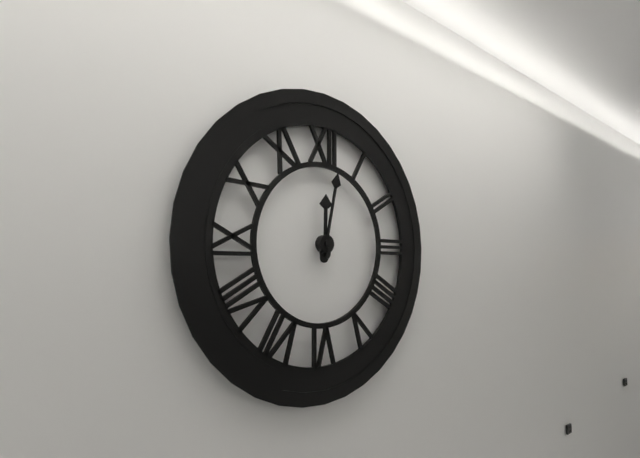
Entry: 12 h 02 min
